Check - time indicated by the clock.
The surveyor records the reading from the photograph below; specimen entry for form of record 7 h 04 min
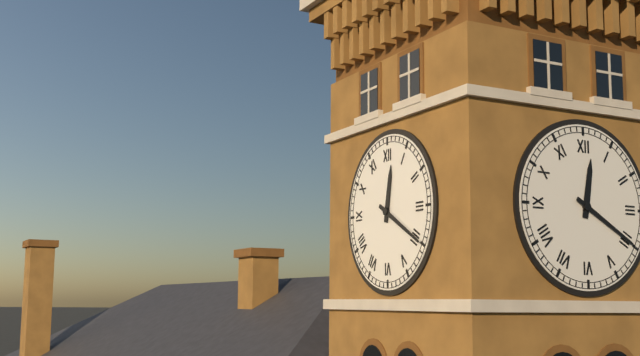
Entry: 12 h 20 min
